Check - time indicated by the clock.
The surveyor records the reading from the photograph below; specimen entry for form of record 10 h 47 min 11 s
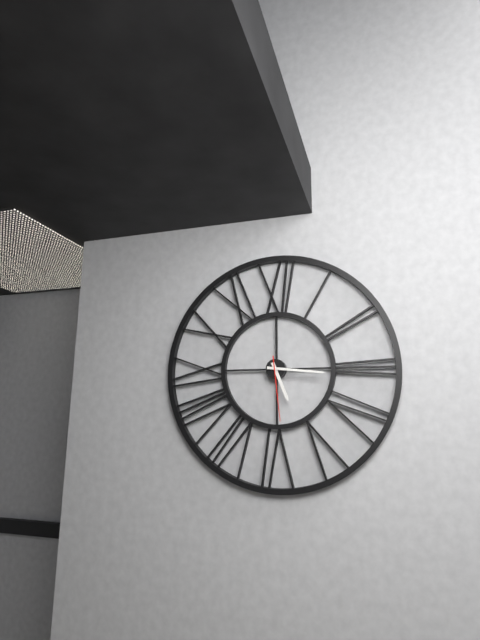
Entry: 5 h 16 min 29 s
